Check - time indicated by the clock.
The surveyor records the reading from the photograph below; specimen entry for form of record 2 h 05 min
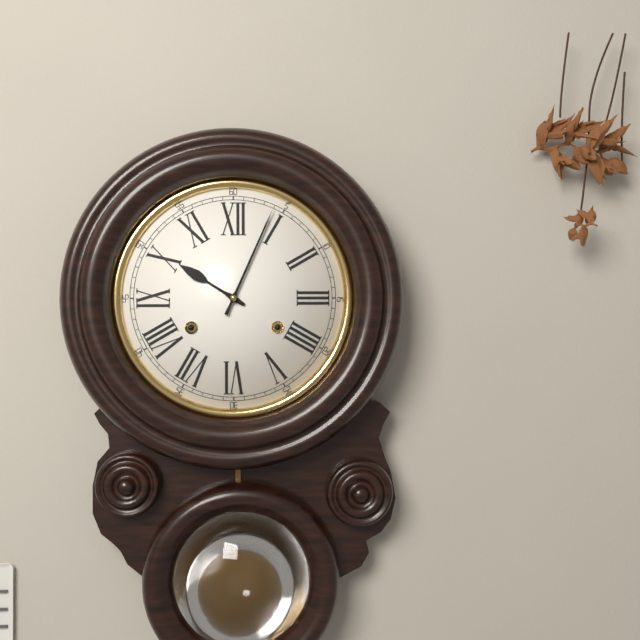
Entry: 10 h 04 min
